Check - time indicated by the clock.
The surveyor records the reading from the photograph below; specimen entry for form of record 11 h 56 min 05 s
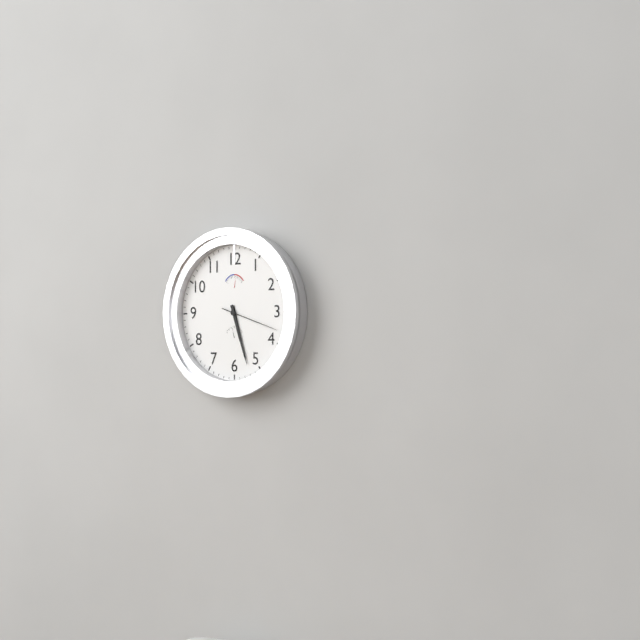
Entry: 5 h 27 min 18 s
